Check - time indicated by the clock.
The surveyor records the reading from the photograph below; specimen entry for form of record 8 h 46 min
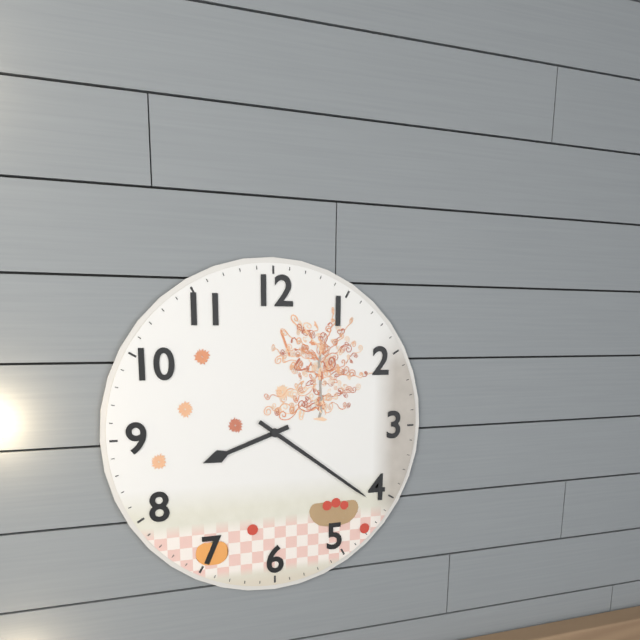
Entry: 8 h 21 min
